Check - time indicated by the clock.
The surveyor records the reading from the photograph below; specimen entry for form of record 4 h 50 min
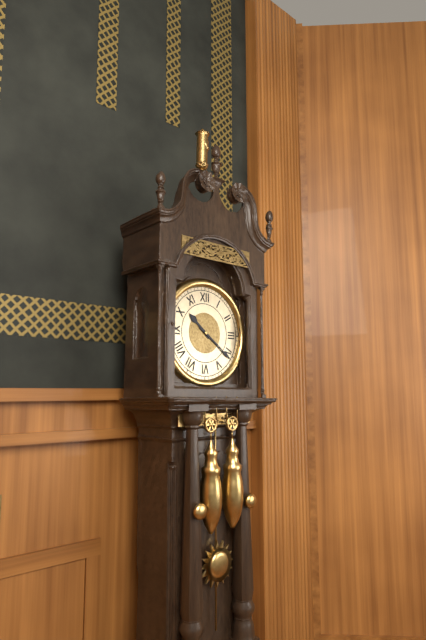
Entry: 10 h 21 min
